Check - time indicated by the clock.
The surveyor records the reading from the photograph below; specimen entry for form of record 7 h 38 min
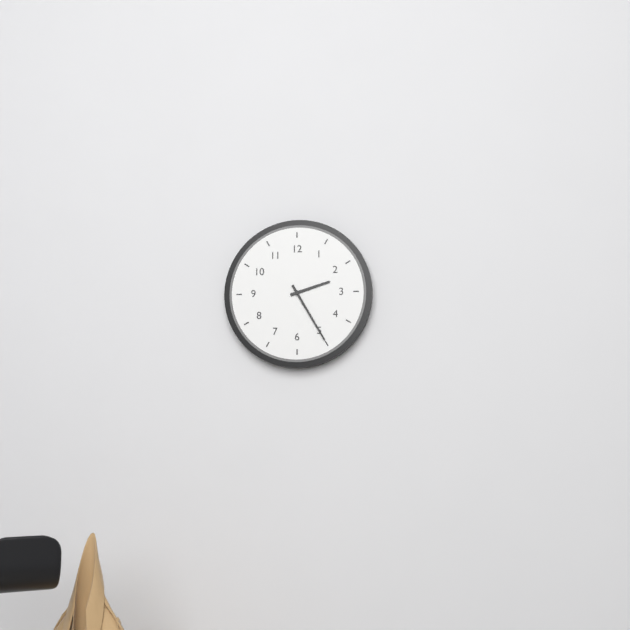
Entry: 2 h 25 min
